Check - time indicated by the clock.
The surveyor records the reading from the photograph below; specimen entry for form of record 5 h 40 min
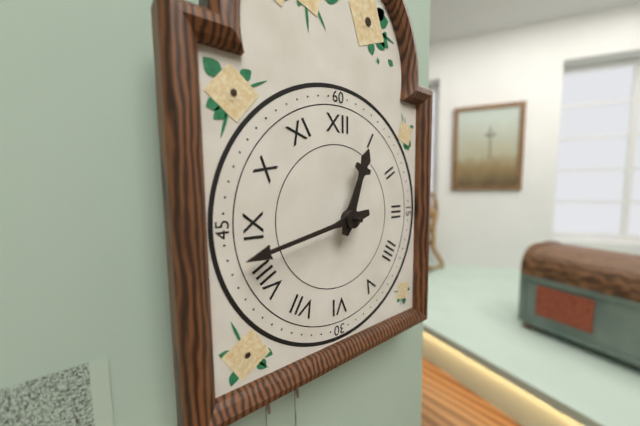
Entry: 12 h 43 min
